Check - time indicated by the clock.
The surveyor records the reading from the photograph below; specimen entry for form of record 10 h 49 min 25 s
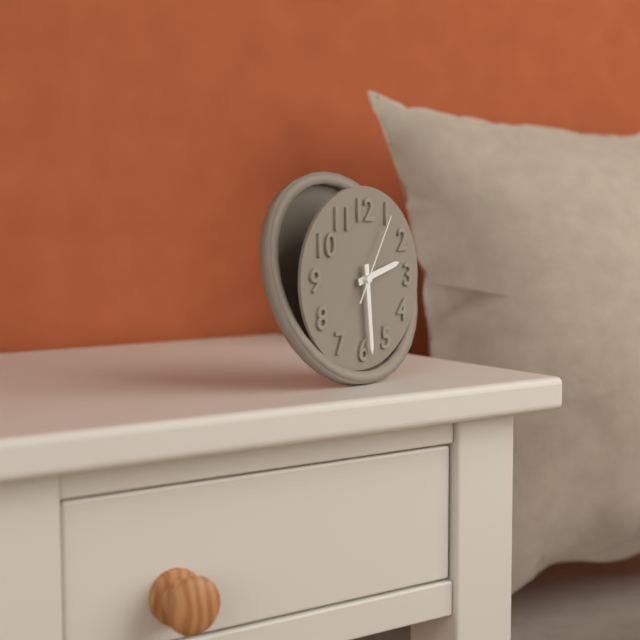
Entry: 2 h 29 min 05 s
